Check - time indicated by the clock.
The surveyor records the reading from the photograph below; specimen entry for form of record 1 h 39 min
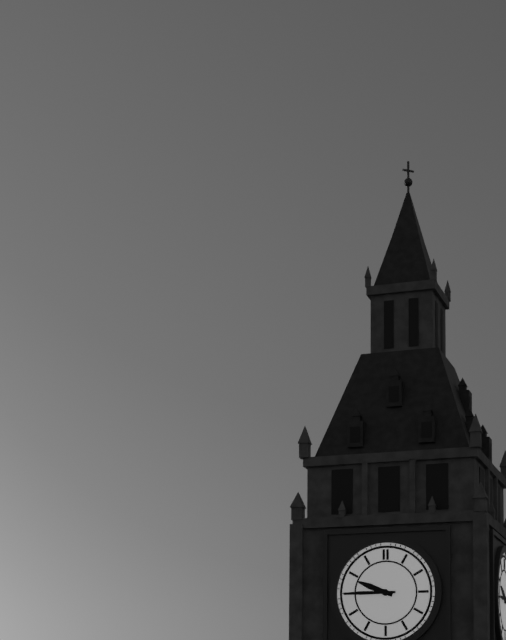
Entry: 9 h 45 min
